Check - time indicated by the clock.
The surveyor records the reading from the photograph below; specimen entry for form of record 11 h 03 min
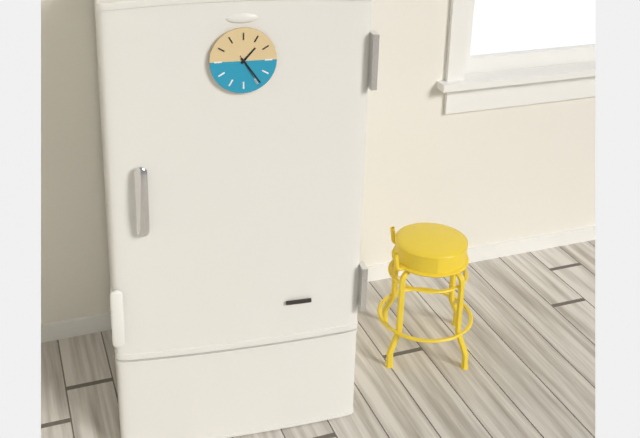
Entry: 1 h 24 min
